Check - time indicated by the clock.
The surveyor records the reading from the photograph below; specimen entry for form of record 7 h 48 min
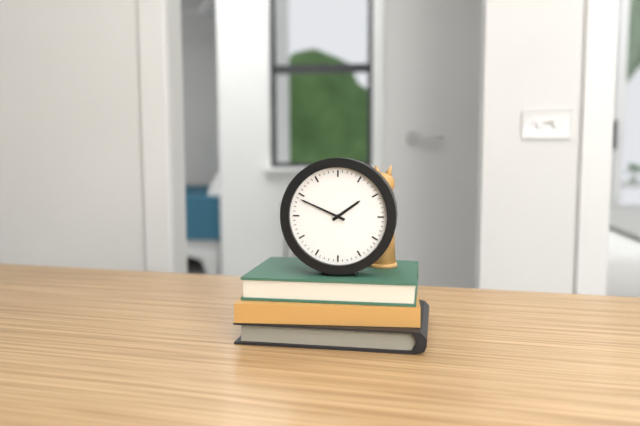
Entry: 1 h 49 min
